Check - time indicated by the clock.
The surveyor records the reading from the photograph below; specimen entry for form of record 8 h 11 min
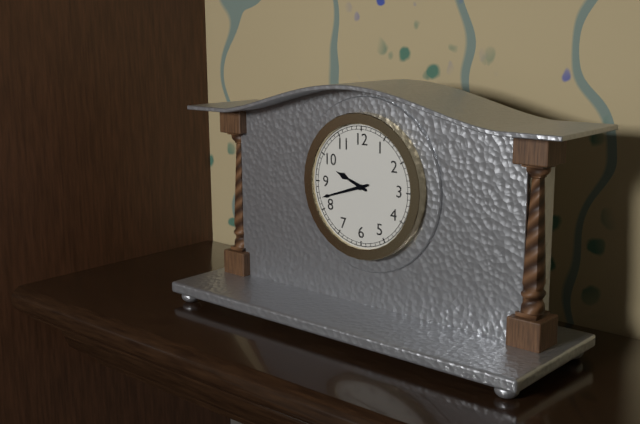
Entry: 9 h 42 min
